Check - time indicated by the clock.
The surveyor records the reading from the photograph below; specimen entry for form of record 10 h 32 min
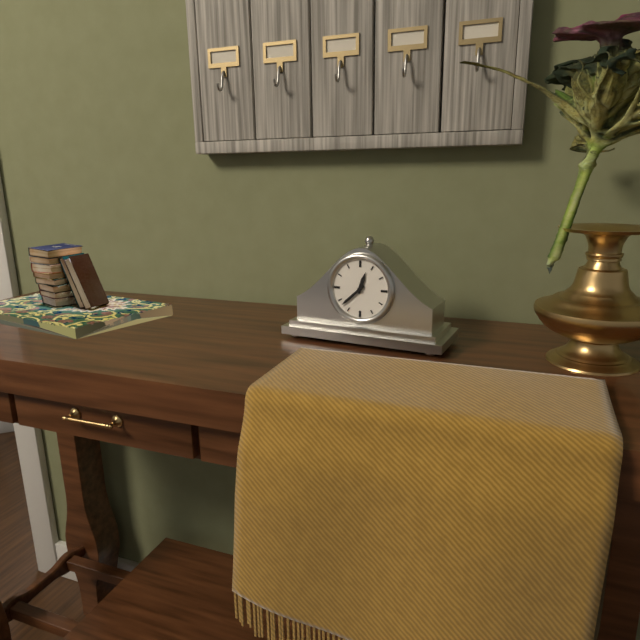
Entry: 12 h 38 min
